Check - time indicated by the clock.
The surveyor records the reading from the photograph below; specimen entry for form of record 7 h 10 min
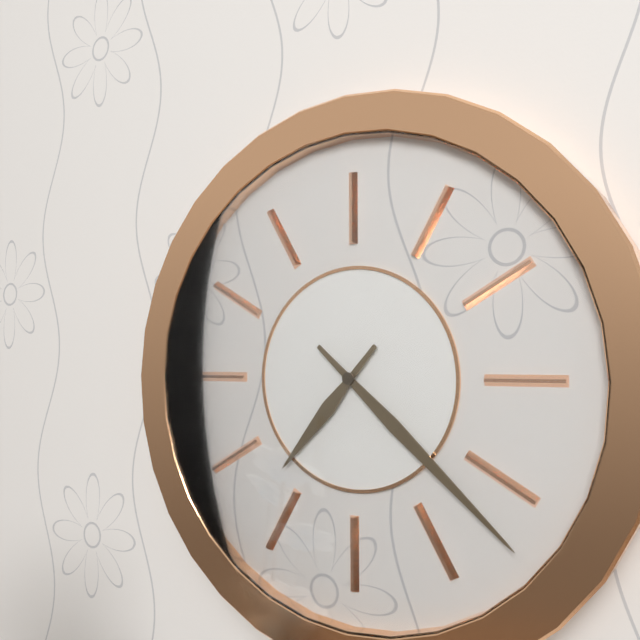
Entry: 7 h 22 min
